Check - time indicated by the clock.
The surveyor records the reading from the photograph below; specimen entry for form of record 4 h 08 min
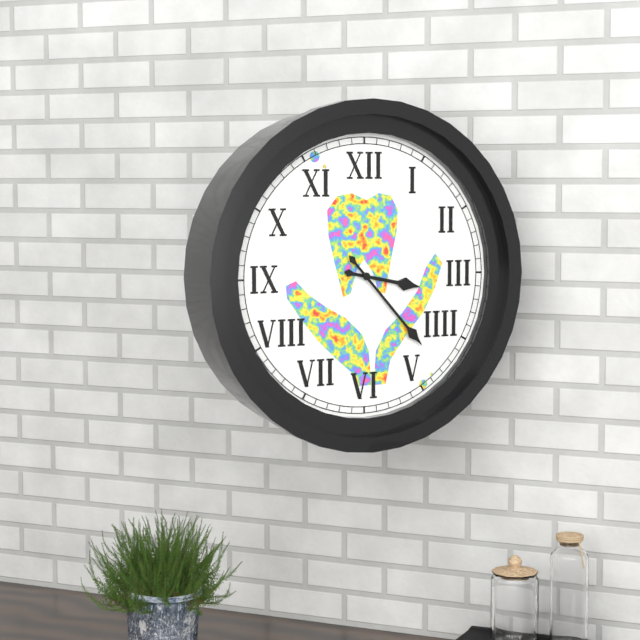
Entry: 3 h 23 min
